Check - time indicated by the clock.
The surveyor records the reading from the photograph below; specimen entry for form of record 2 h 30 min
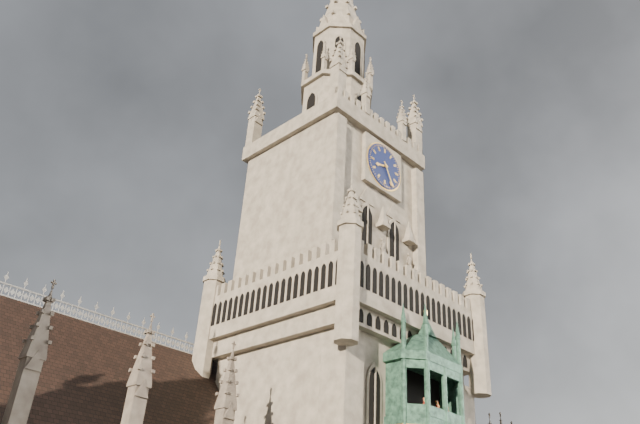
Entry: 8 h 25 min
